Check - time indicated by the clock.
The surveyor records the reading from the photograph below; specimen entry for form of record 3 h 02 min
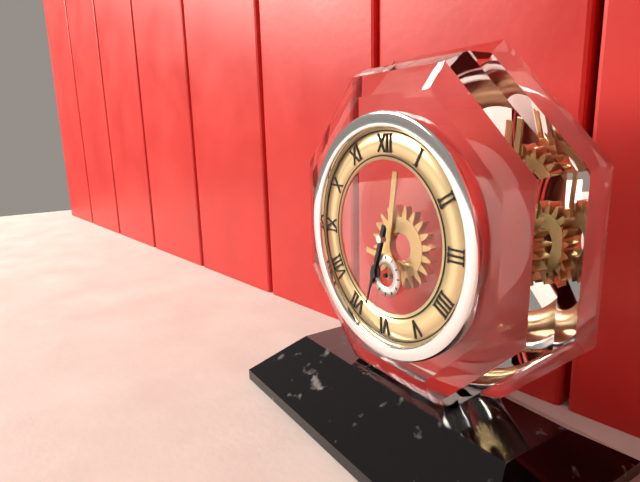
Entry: 6 h 33 min
